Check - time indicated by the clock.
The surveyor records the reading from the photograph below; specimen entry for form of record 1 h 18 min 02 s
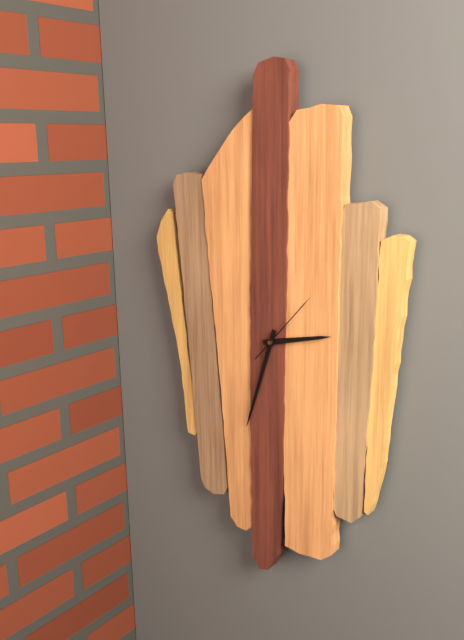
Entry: 2 h 33 min 07 s
